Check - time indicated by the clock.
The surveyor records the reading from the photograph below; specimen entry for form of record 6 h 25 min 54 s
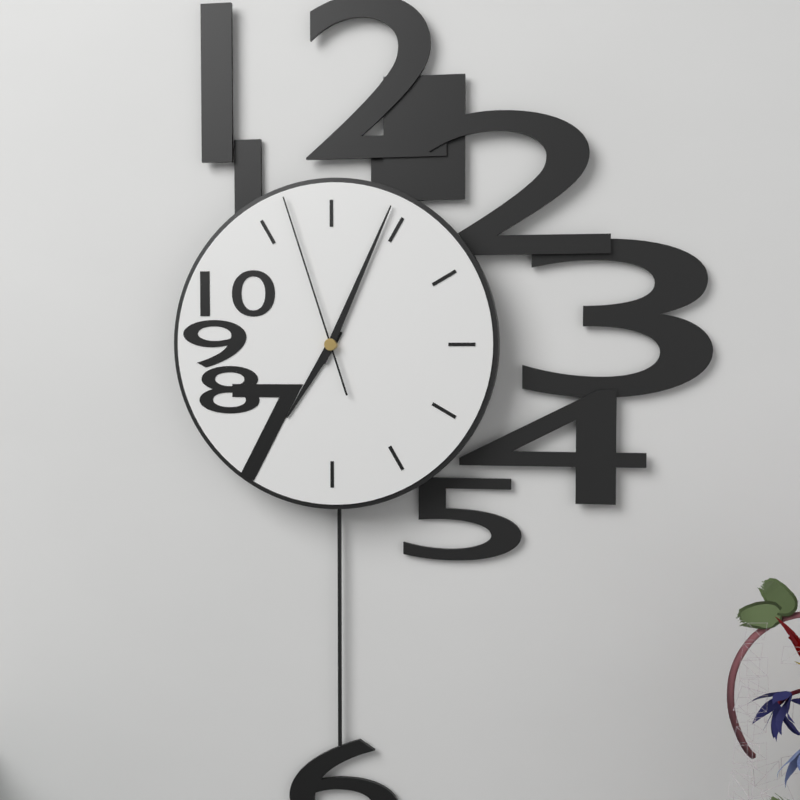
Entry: 7 h 04 min 57 s
